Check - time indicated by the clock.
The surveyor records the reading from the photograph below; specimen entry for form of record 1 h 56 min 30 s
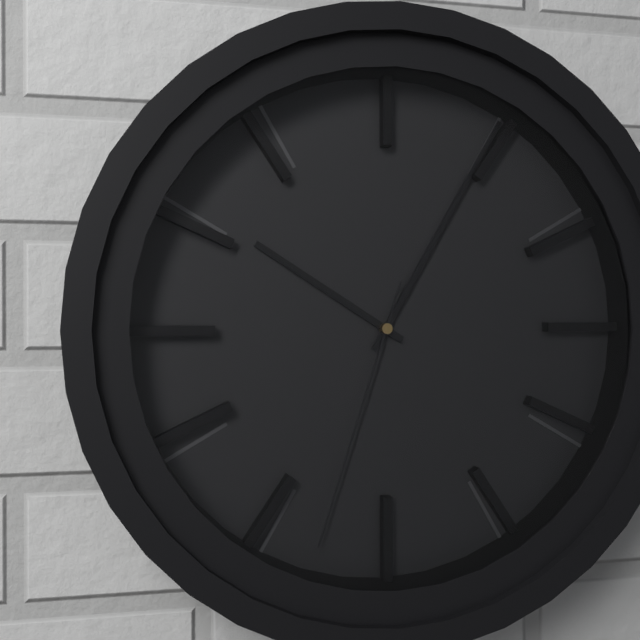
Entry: 10 h 05 min 33 s
